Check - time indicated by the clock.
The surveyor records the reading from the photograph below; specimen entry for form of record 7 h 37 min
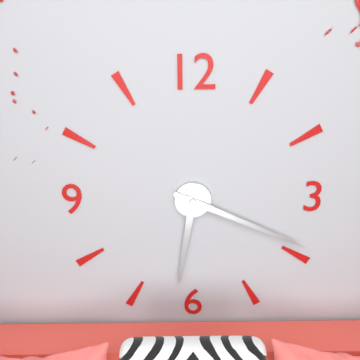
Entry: 6 h 19 min
